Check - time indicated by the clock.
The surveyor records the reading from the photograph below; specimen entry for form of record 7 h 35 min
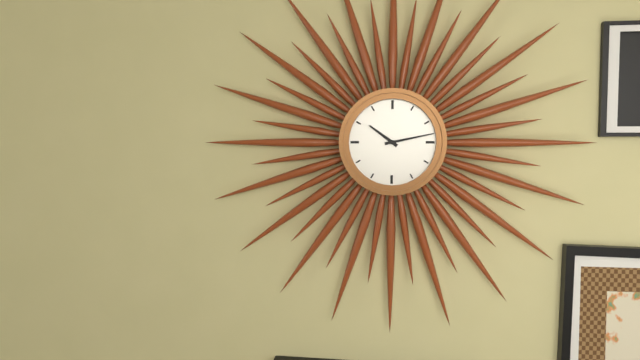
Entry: 10 h 13 min
